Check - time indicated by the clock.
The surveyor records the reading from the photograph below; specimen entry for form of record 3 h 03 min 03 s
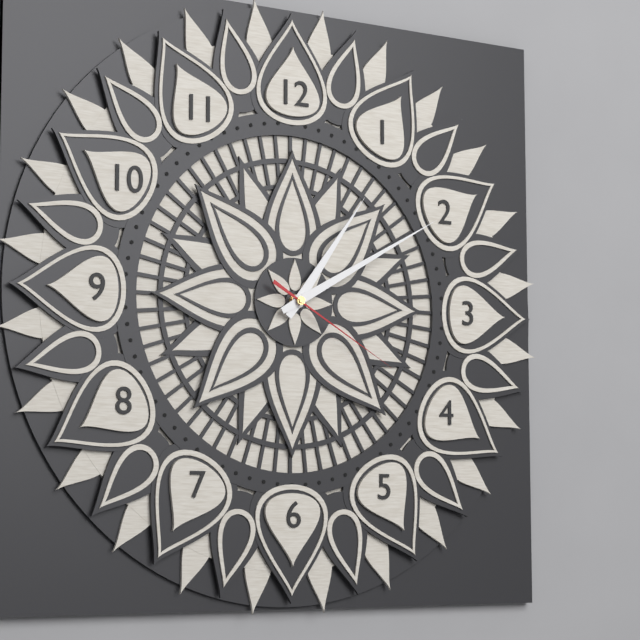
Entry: 1 h 10 min 20 s
